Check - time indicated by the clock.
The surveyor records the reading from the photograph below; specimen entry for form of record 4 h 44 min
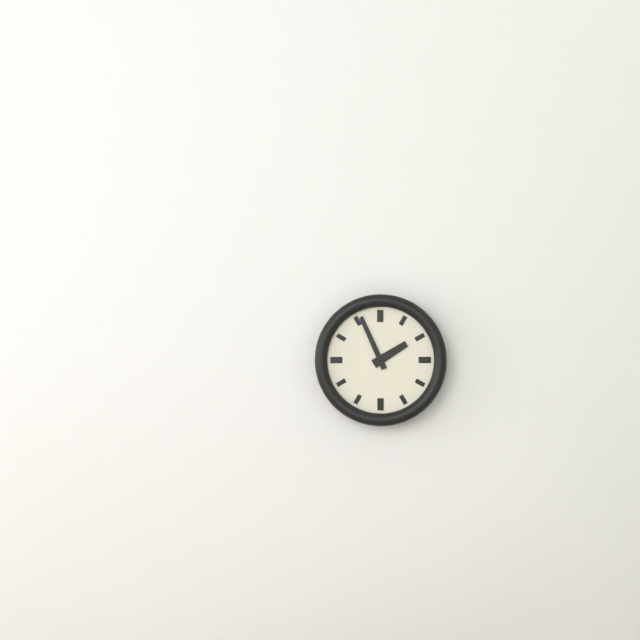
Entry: 1 h 56 min
